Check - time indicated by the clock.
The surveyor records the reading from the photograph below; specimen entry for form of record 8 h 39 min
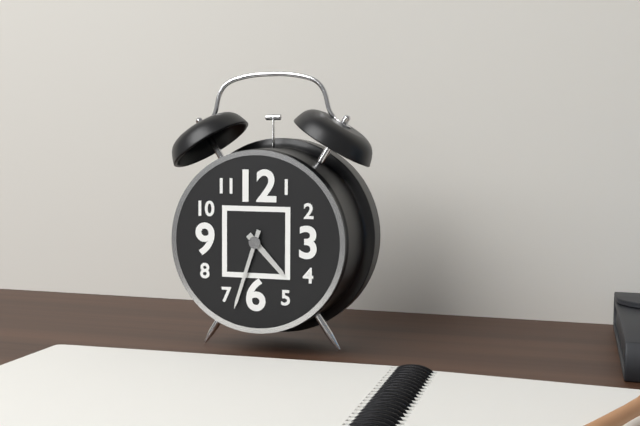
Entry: 4 h 33 min
